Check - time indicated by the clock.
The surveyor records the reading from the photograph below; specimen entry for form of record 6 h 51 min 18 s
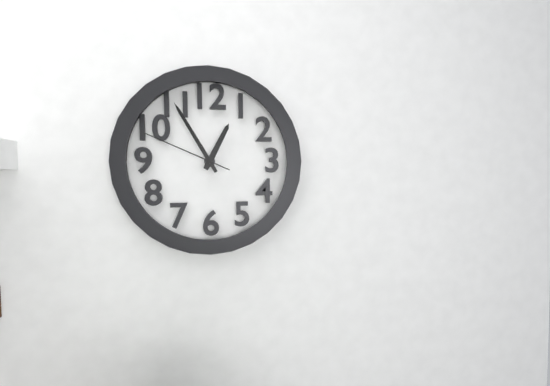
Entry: 12 h 55 min 49 s
